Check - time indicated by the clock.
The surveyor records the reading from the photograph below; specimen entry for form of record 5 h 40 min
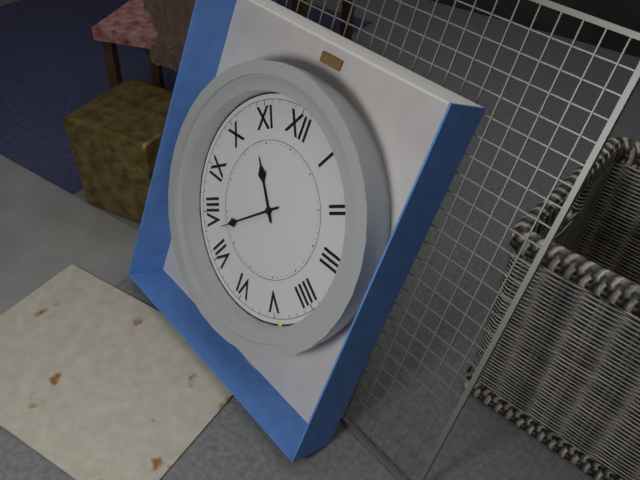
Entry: 10 h 38 min
